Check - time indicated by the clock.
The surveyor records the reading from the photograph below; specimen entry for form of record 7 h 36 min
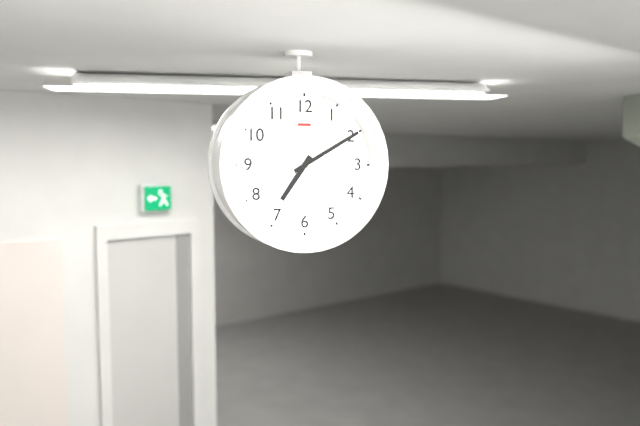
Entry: 7 h 10 min
